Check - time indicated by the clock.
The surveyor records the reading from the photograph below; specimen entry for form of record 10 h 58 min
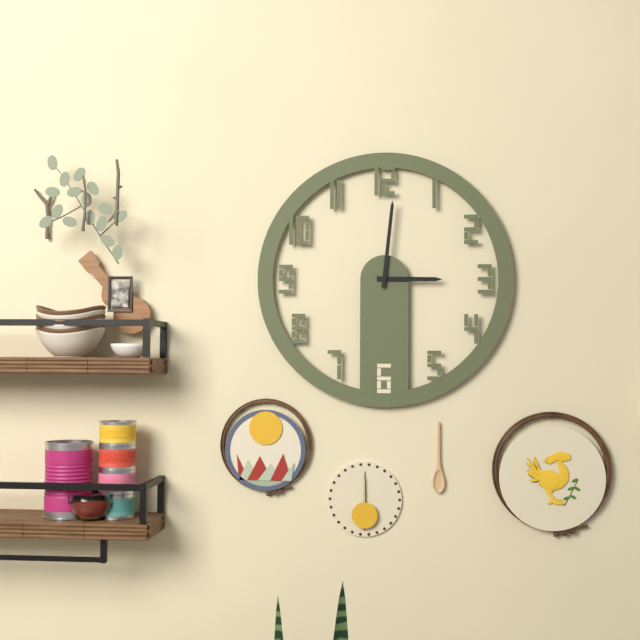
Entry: 3 h 01 min
